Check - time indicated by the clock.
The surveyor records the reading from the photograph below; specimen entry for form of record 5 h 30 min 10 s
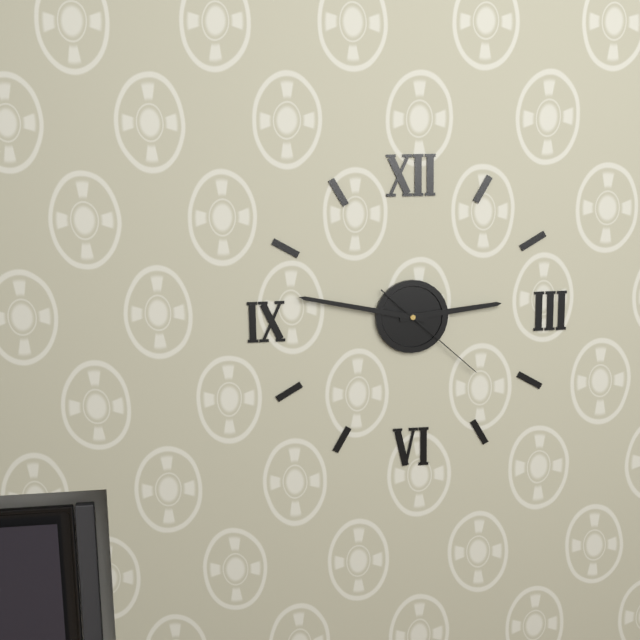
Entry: 2 h 47 min 22 s
